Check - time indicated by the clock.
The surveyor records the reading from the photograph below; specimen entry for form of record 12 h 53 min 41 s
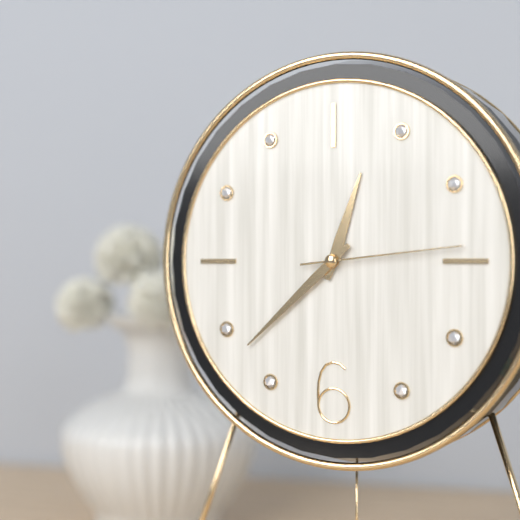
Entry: 12 h 38 min 14 s
